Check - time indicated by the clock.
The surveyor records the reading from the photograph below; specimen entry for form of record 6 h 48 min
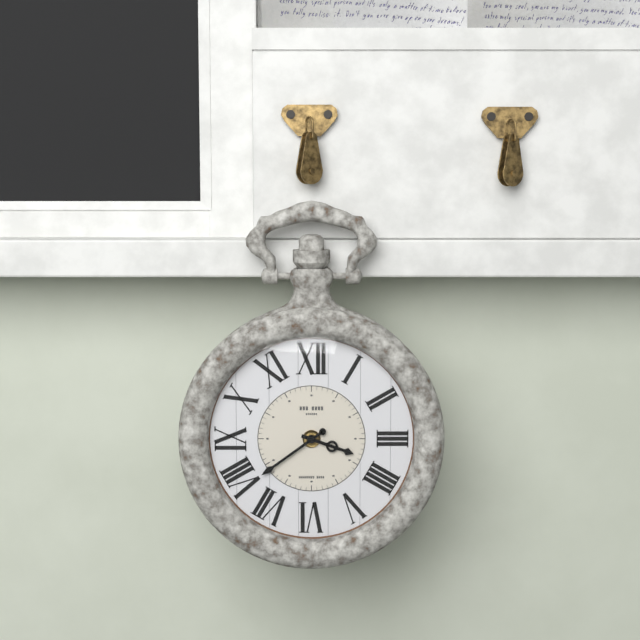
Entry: 3 h 39 min
